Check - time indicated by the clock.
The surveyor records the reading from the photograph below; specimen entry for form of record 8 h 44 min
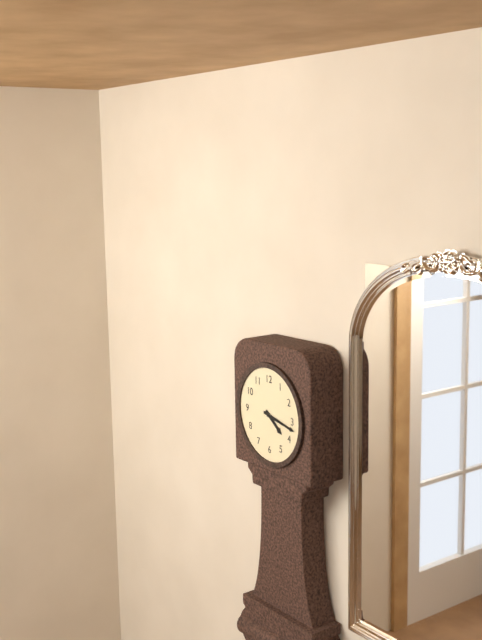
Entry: 4 h 17 min
